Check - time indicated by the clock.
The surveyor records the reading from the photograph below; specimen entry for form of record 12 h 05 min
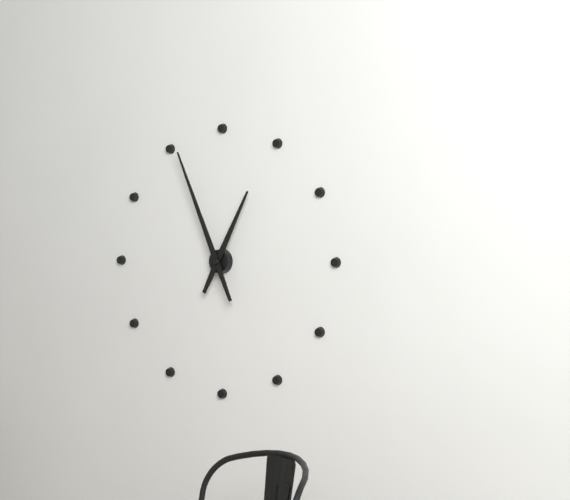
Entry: 12 h 56 min
